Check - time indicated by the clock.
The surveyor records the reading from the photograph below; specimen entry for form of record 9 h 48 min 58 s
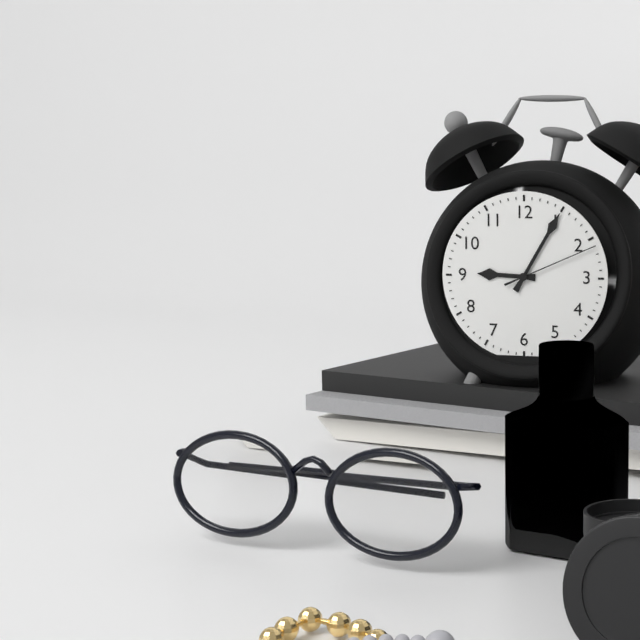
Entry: 9 h 05 min 11 s
